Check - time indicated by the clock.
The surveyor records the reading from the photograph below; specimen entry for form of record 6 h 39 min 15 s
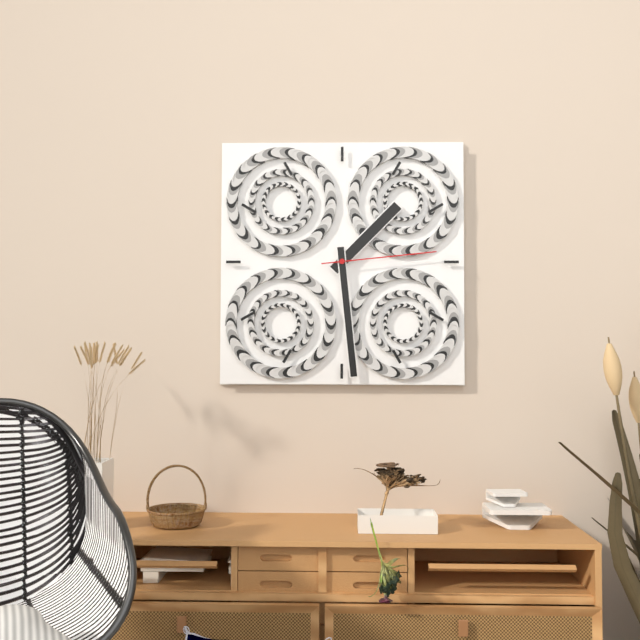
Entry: 1 h 29 min 14 s
